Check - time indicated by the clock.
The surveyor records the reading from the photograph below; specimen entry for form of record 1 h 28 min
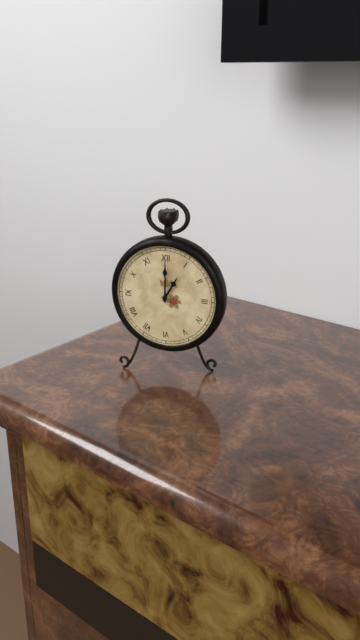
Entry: 1 h 00 min
